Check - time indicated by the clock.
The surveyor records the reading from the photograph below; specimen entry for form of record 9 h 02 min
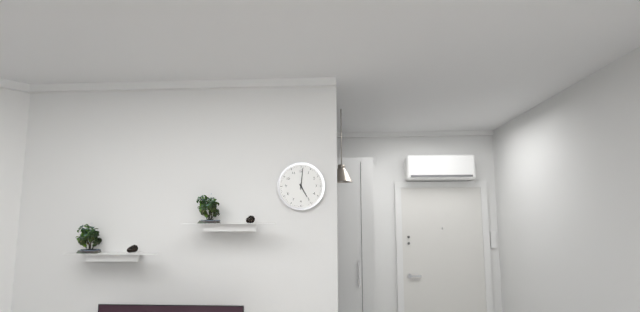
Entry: 5 h 01 min
